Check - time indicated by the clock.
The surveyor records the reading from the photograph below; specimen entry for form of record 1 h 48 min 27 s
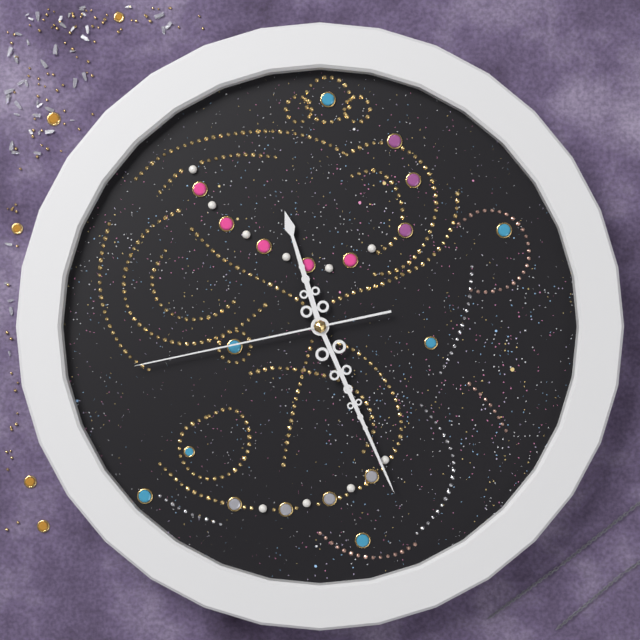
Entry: 11 h 26 min 43 s
